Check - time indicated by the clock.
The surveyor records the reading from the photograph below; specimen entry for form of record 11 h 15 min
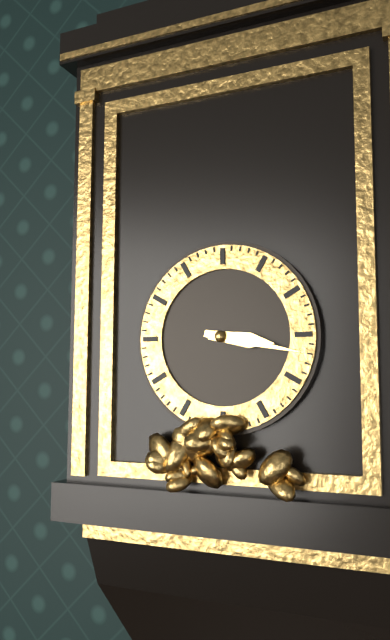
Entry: 3 h 17 min
